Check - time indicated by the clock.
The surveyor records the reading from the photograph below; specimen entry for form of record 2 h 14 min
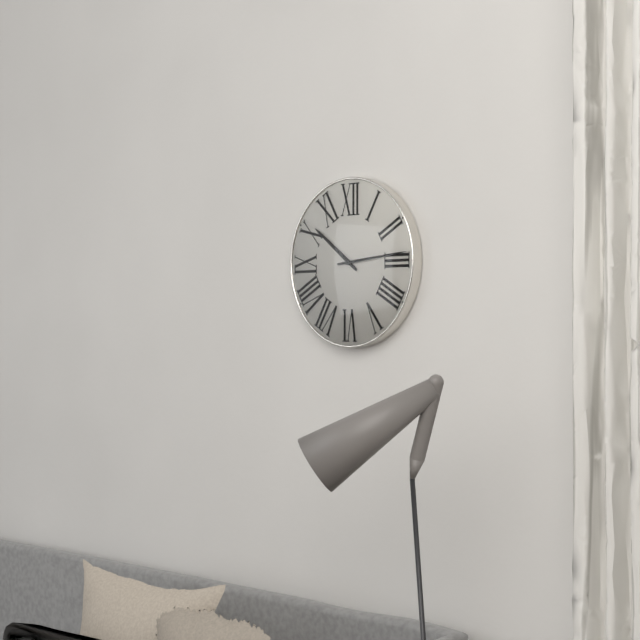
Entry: 10 h 14 min
